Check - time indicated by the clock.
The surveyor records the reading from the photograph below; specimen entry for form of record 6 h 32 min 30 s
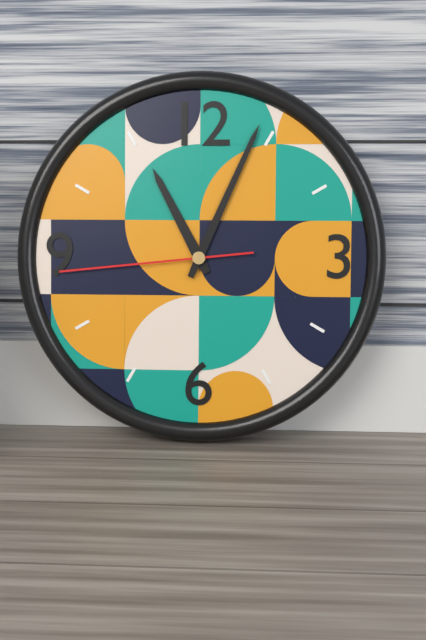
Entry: 11 h 04 min 44 s
